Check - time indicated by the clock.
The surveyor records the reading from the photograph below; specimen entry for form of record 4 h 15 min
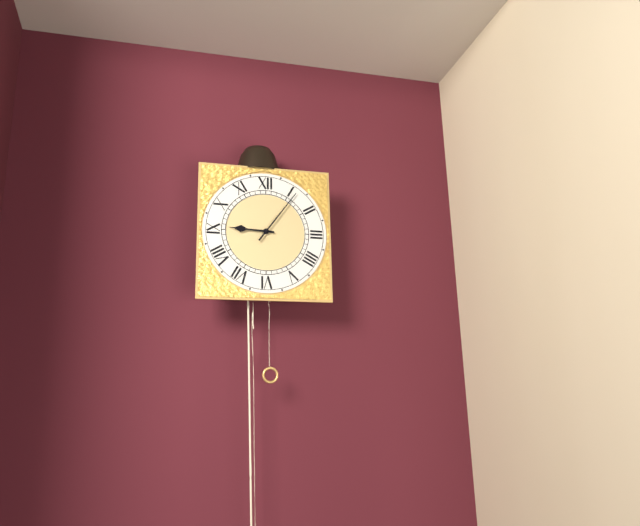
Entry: 9 h 06 min
